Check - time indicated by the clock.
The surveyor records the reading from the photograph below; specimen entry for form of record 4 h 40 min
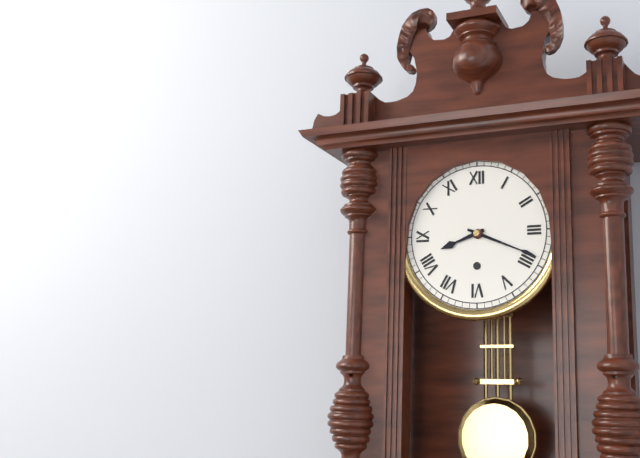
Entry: 8 h 19 min
